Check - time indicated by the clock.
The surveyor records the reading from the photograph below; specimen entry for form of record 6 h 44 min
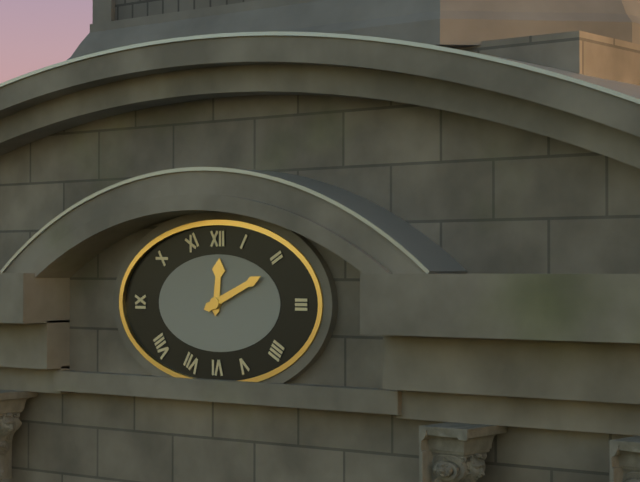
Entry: 12 h 11 min
